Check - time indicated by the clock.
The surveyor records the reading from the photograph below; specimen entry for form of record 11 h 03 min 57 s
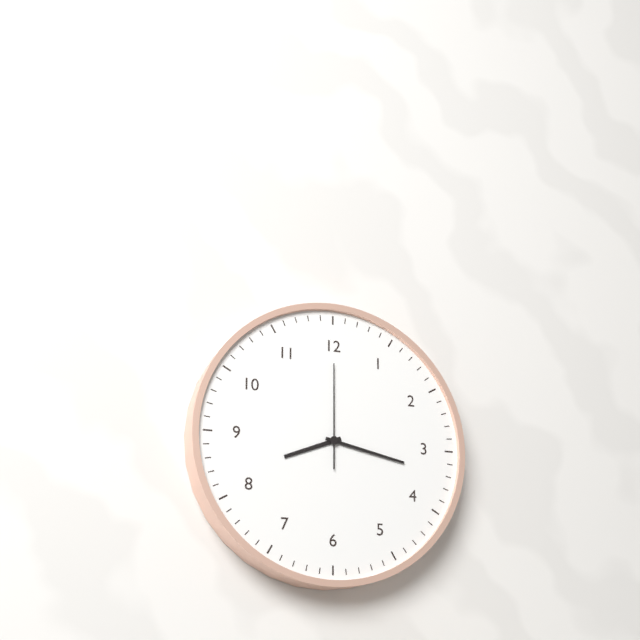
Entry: 8 h 17 min 00 s
